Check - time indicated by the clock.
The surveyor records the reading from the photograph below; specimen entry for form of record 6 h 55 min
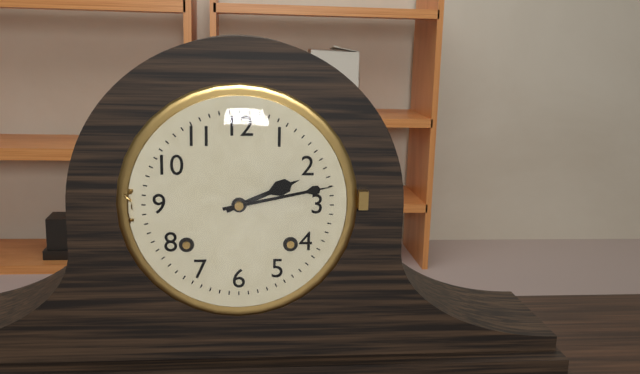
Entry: 2 h 13 min
